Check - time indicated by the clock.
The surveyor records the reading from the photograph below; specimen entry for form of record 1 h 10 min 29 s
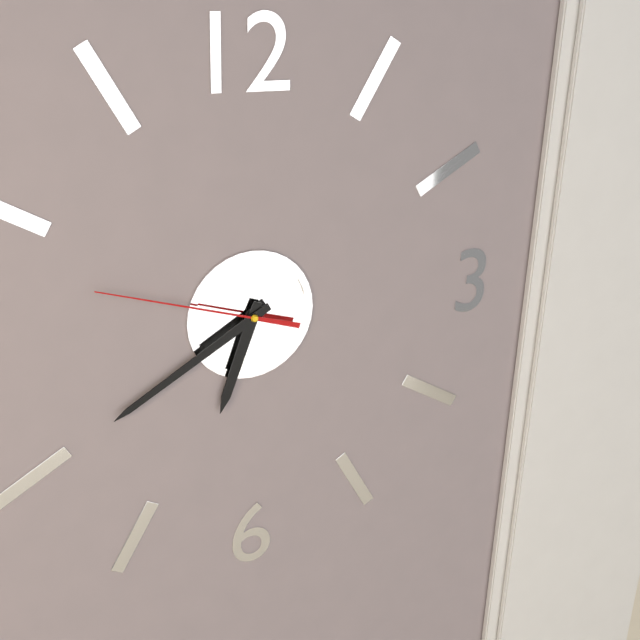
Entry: 6 h 40 min 48 s
